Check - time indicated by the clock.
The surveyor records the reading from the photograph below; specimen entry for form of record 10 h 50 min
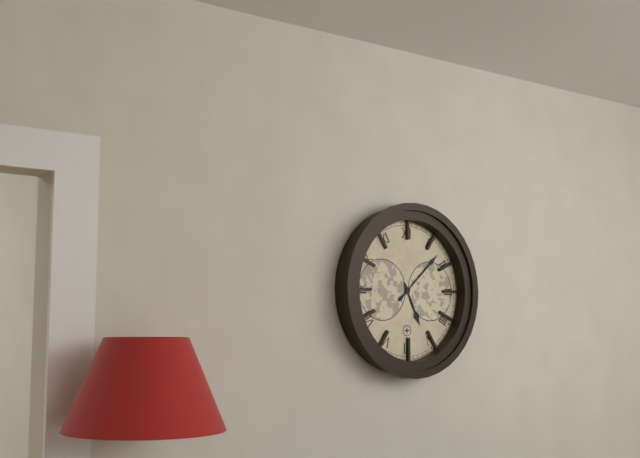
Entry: 5 h 08 min
